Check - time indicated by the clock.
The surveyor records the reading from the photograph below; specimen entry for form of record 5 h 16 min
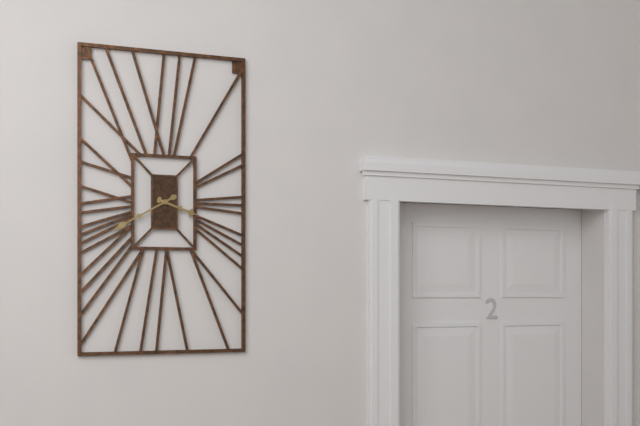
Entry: 3 h 40 min
